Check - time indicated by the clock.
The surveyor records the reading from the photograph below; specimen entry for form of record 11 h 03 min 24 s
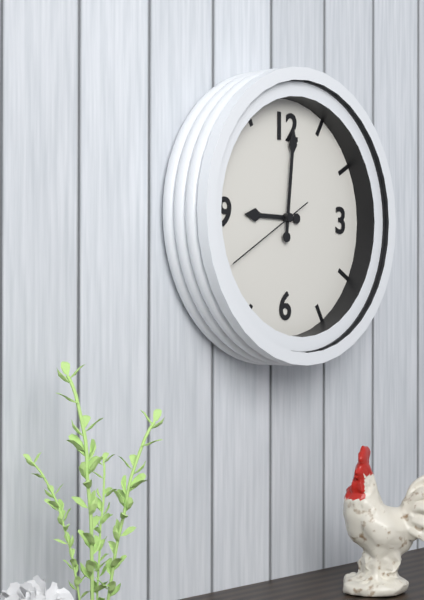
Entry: 9 h 01 min 40 s
